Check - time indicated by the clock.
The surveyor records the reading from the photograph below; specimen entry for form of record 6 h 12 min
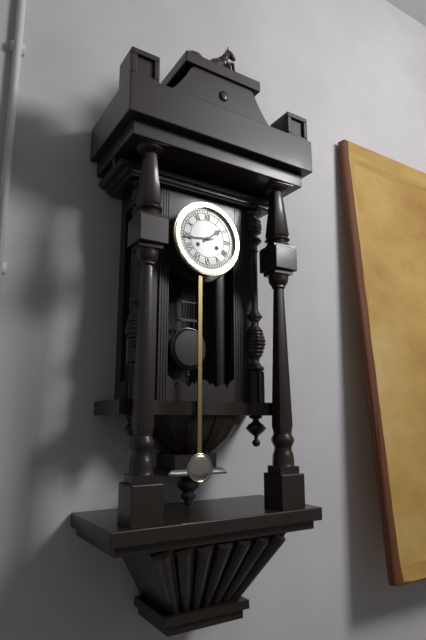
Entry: 1 h 44 min
